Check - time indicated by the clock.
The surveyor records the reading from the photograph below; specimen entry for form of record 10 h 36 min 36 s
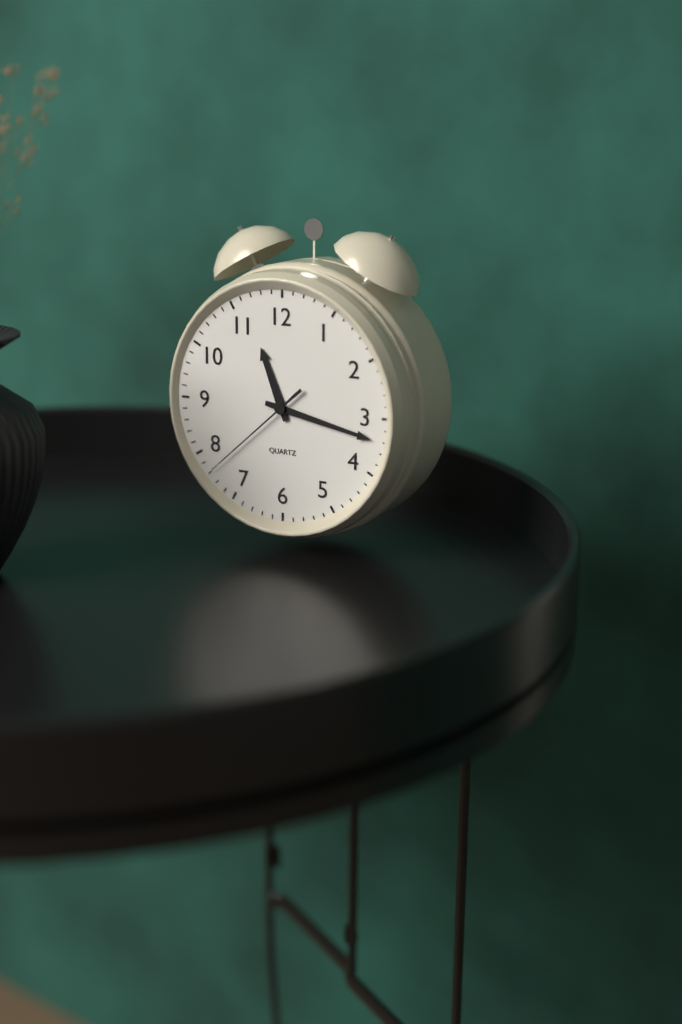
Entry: 11 h 17 min 38 s
